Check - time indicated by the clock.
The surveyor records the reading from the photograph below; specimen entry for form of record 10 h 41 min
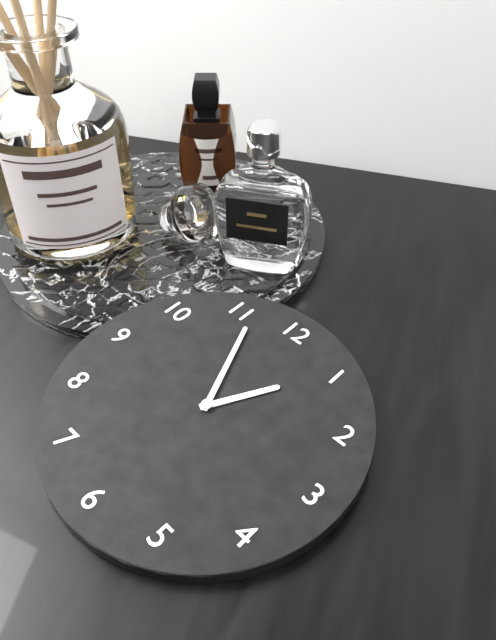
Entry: 12 h 56 min
